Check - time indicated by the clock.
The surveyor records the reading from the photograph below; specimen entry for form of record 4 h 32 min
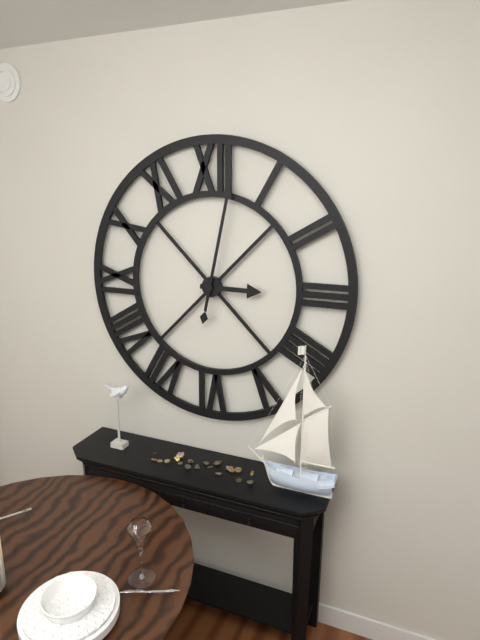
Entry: 3 h 02 min
